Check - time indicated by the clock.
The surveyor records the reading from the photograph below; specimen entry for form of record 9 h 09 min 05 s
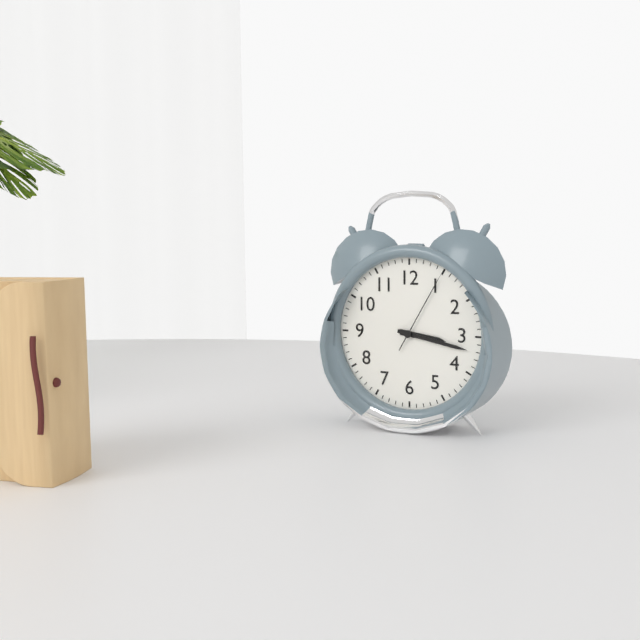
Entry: 3 h 17 min 05 s
